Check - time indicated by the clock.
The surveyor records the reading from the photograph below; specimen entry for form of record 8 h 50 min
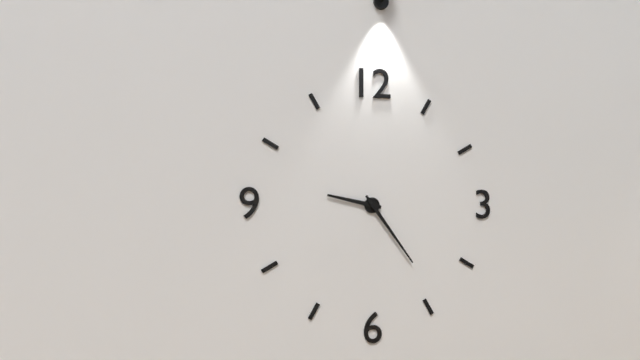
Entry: 9 h 24 min
